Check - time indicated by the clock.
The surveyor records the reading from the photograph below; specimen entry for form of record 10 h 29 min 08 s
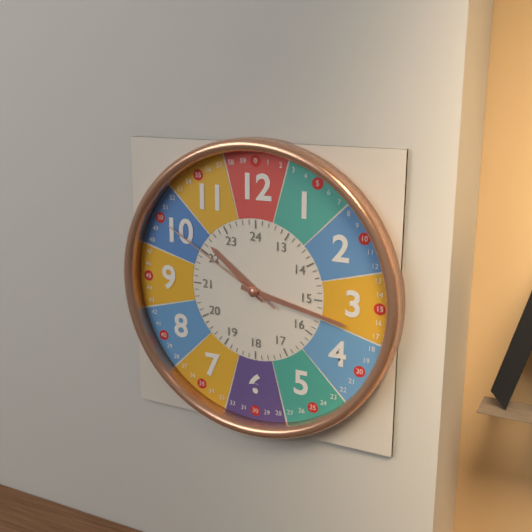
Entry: 10 h 17 min 50 s
